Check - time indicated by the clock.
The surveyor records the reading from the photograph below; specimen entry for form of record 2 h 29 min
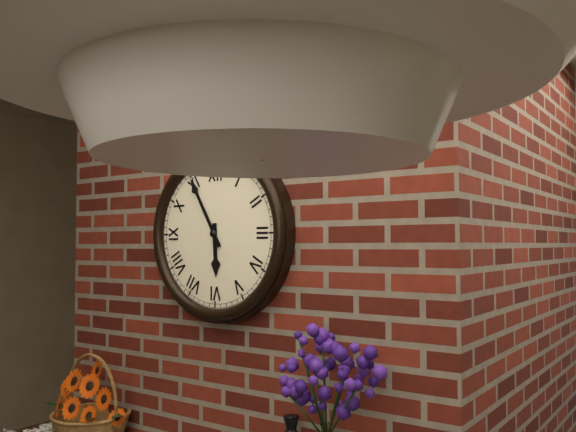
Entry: 5 h 55 min
